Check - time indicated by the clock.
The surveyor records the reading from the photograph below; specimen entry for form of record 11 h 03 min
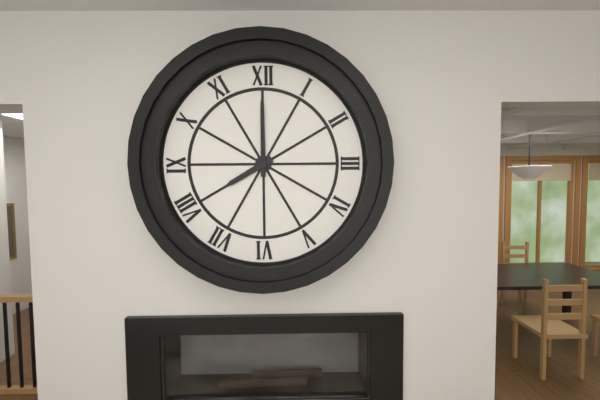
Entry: 8 h 00 min
